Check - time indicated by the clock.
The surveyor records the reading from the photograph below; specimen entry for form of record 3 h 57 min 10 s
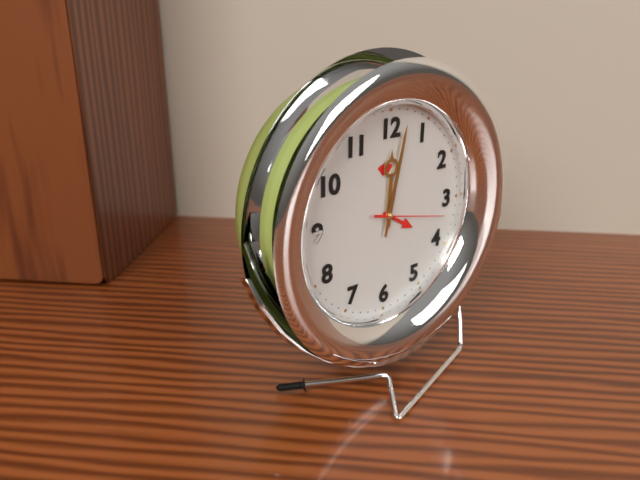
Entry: 12 h 02 min 17 s
